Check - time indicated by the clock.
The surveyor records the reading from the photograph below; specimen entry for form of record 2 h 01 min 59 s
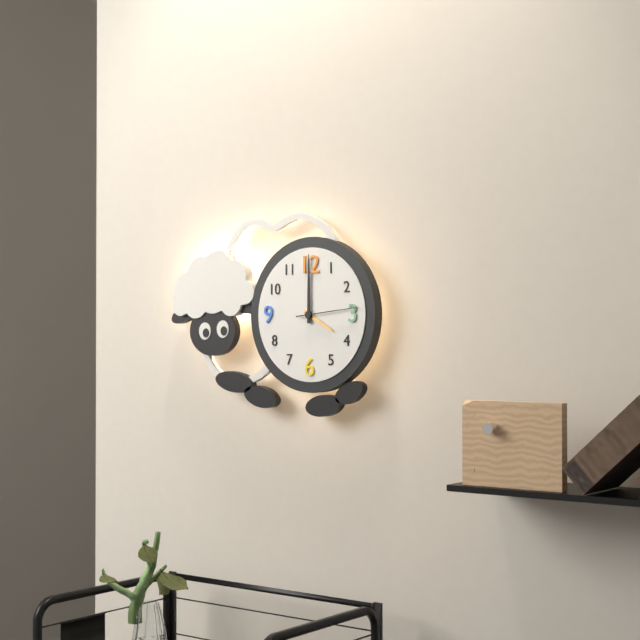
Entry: 4 h 00 min 14 s
